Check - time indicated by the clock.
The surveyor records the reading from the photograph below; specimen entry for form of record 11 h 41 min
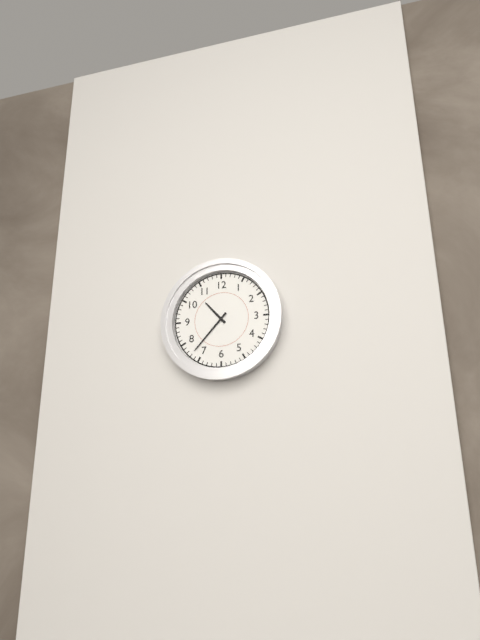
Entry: 10 h 37 min
